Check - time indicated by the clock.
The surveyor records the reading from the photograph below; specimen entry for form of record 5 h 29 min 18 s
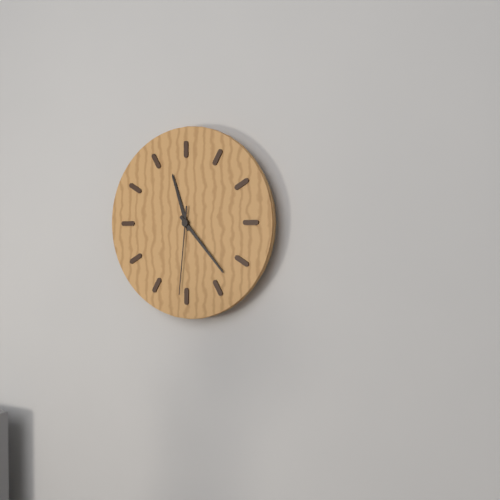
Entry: 11 h 23 min 31 s
